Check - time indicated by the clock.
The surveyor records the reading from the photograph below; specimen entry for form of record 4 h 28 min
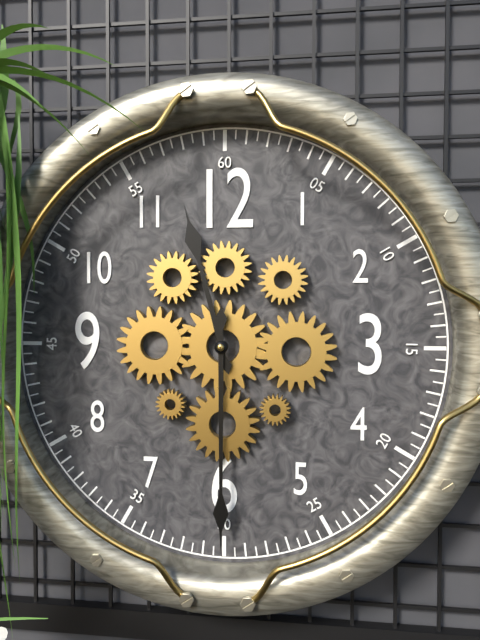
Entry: 11 h 30 min
